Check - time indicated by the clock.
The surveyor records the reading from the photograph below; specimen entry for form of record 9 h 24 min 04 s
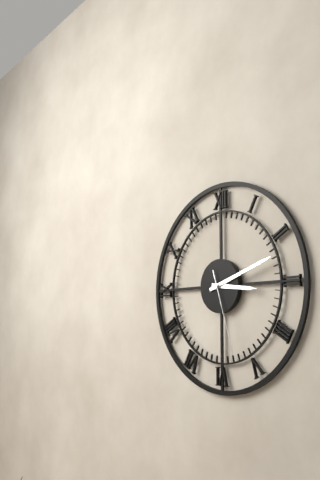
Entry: 3 h 12 min 27 s
